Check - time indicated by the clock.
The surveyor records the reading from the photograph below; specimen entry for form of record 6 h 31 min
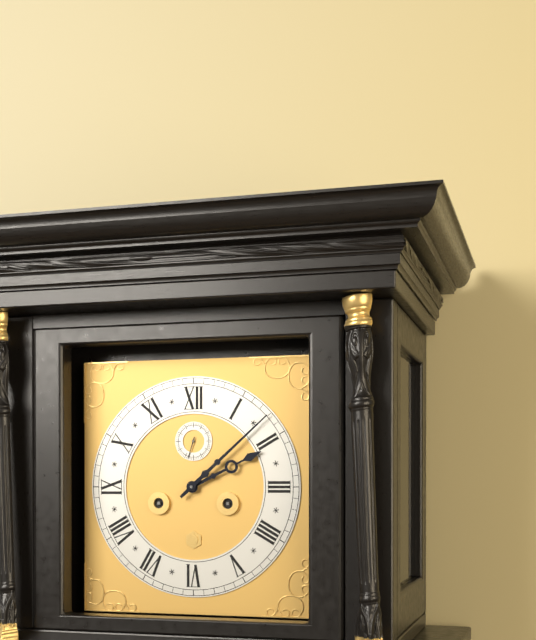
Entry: 2 h 08 min
